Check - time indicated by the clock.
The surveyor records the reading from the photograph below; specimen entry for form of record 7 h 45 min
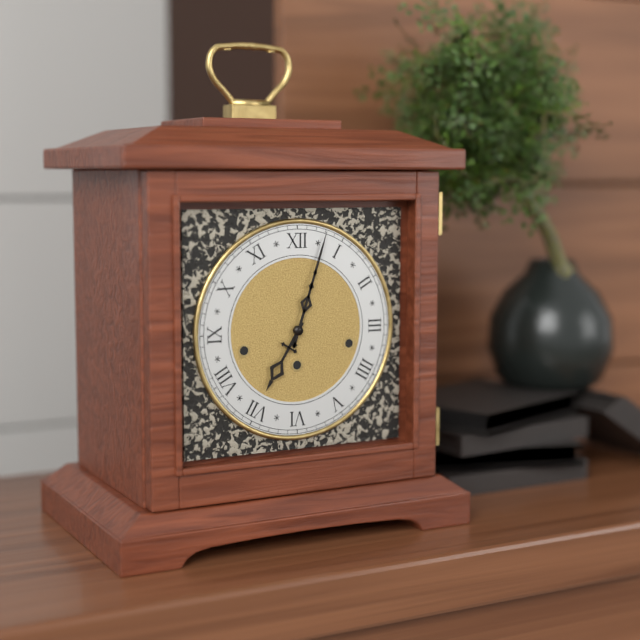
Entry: 7 h 03 min
